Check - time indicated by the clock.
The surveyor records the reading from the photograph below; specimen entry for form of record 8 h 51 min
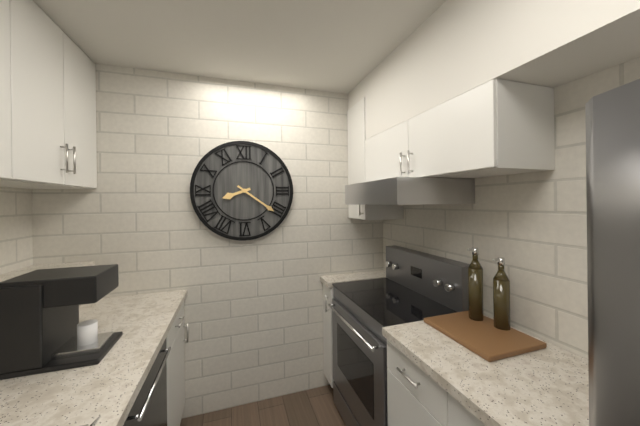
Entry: 8 h 21 min
